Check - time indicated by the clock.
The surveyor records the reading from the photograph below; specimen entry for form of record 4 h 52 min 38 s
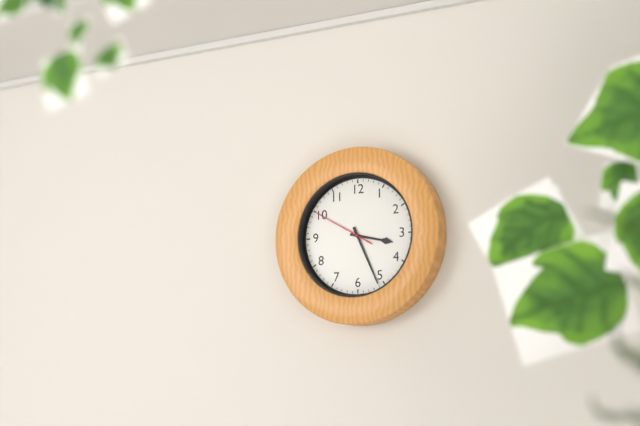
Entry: 3 h 26 min 50 s
